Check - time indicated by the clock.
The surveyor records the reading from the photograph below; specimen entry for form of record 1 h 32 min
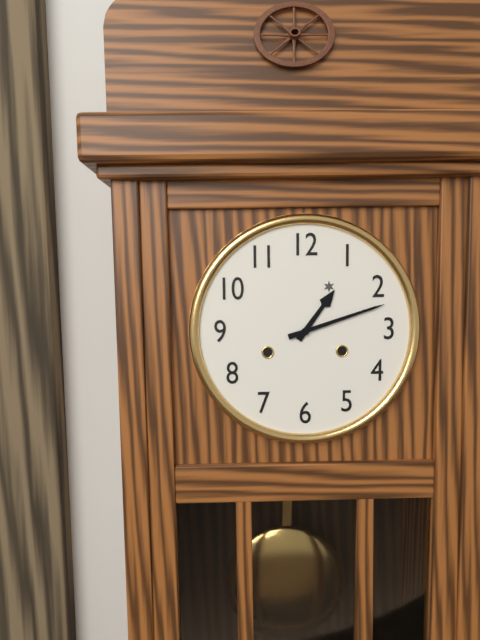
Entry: 1 h 12 min
